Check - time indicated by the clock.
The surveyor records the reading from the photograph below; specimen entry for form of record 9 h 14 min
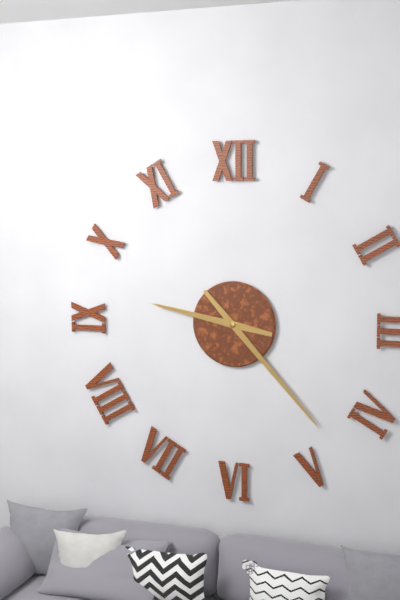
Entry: 9 h 23 min
